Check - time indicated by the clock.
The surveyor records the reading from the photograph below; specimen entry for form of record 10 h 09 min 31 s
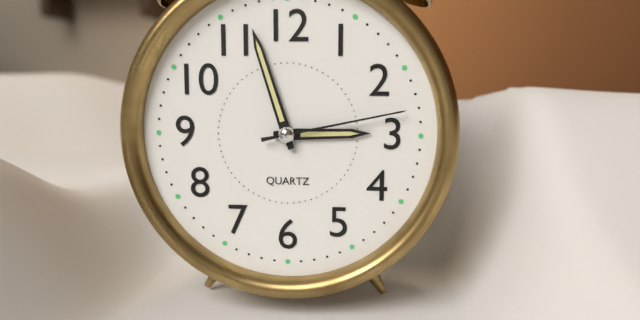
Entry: 2 h 57 min 13 s
